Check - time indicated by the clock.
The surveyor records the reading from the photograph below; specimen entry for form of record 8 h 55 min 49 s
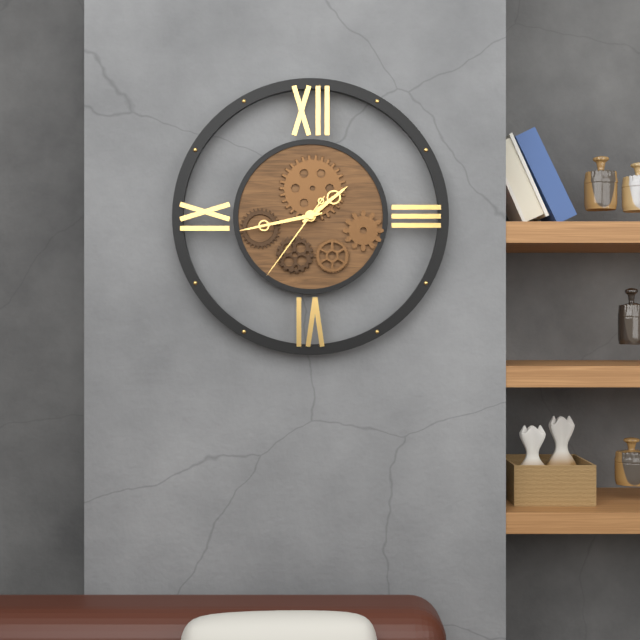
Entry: 1 h 43 min 36 s
